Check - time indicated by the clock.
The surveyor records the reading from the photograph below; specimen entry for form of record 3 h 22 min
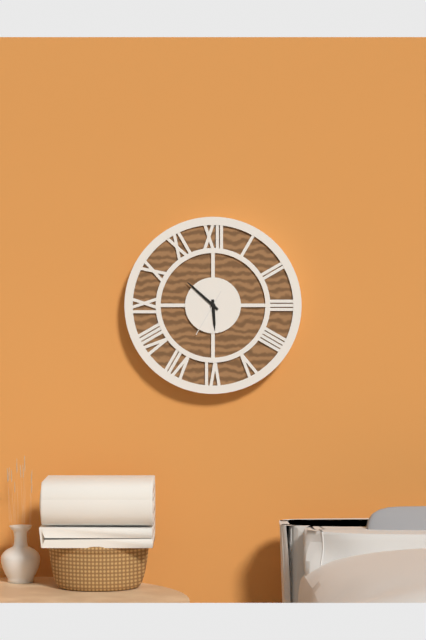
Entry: 5 h 52 min
